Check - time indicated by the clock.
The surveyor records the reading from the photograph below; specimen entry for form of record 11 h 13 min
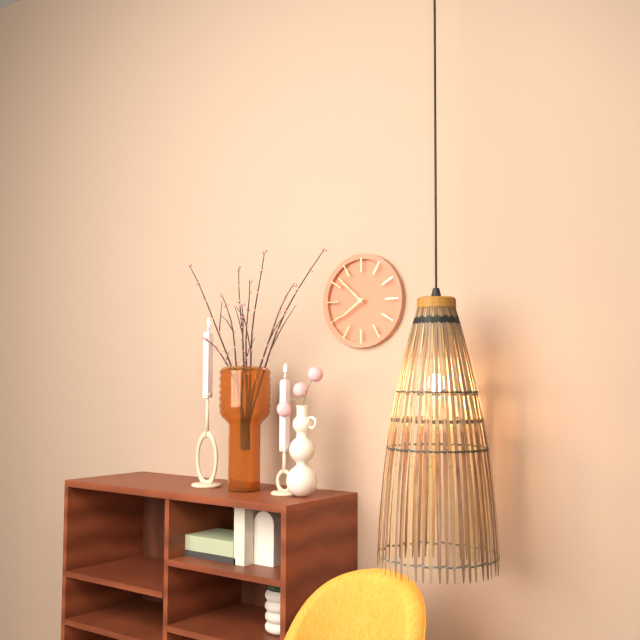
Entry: 7 h 52 min
